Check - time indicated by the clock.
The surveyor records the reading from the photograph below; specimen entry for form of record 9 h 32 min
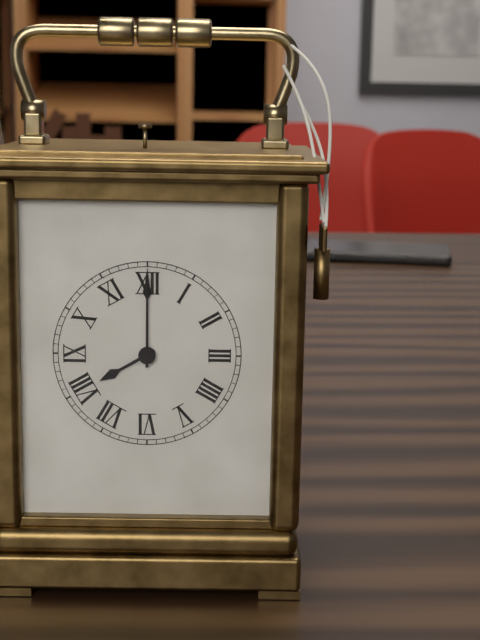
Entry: 8 h 00 min
